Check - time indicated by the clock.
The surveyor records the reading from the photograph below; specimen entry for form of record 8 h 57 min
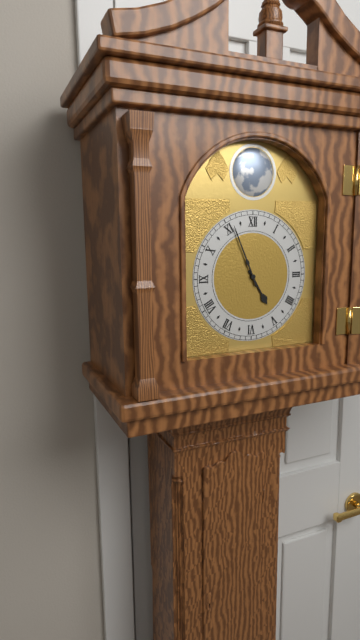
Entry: 4 h 56 min
